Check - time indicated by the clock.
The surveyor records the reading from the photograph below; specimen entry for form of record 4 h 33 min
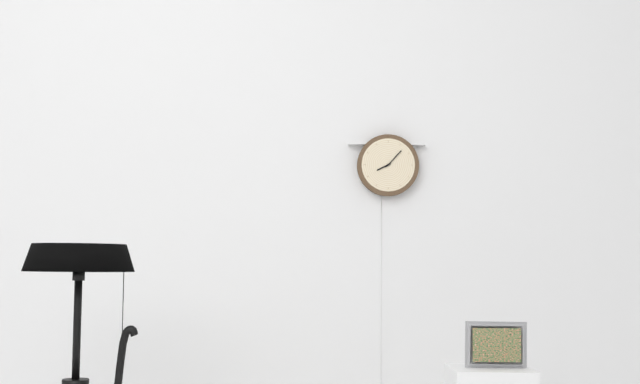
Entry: 8 h 07 min
